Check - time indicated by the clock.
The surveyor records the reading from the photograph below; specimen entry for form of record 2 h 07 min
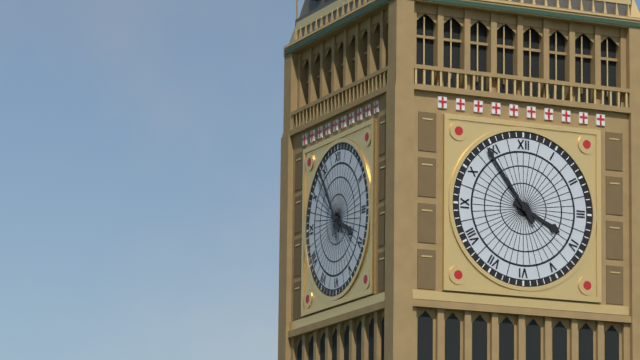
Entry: 3 h 54 min
